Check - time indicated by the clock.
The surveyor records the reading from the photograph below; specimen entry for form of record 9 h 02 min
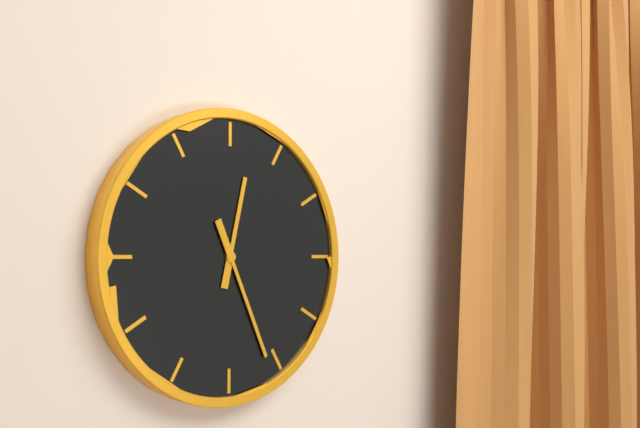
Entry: 12 h 26 min
